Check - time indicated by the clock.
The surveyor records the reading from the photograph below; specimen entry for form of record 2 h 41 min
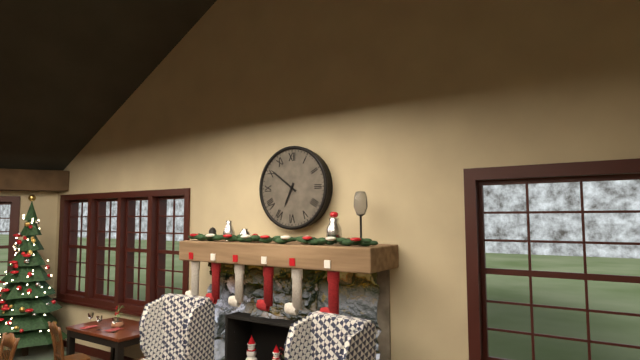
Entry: 6 h 51 min
